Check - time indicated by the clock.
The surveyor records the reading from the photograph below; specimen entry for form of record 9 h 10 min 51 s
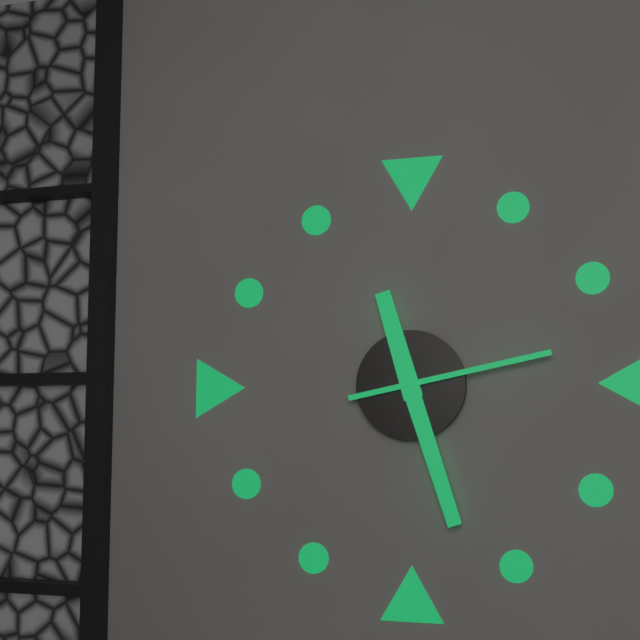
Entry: 11 h 27 min 13 s
